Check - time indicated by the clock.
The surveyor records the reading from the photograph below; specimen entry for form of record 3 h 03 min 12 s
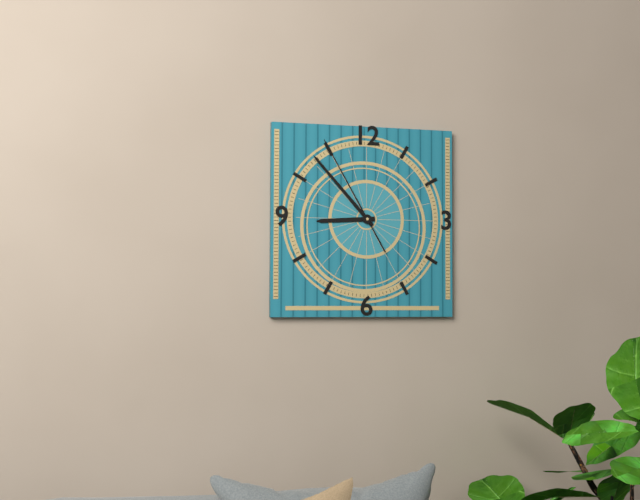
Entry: 8 h 53 min 55 s
